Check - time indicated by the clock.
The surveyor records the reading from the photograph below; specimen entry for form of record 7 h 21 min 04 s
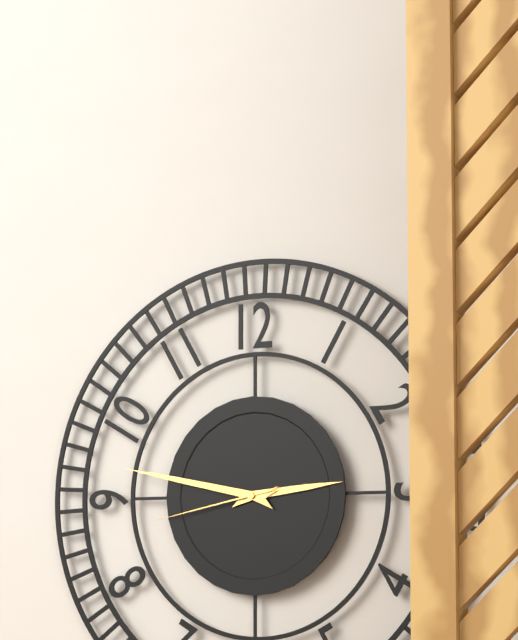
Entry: 2 h 47 min 43 s
